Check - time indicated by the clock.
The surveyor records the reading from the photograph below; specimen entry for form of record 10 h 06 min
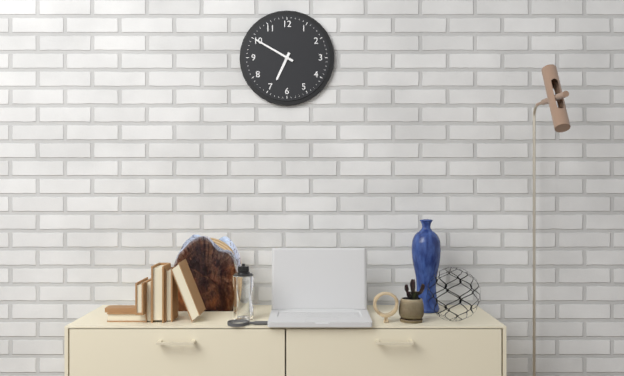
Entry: 6 h 50 min
